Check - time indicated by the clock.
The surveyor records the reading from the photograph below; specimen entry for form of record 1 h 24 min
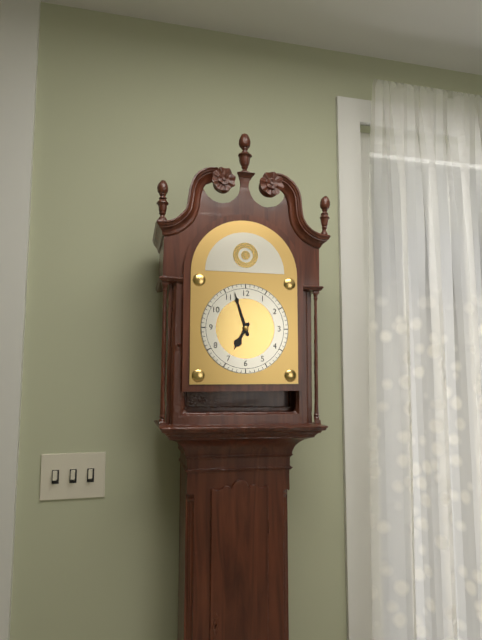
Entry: 6 h 57 min
